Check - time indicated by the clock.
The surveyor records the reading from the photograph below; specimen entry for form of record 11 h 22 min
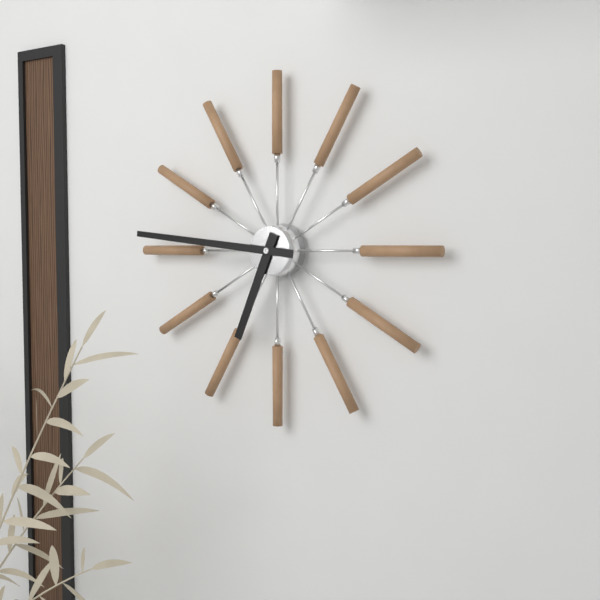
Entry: 6 h 46 min
